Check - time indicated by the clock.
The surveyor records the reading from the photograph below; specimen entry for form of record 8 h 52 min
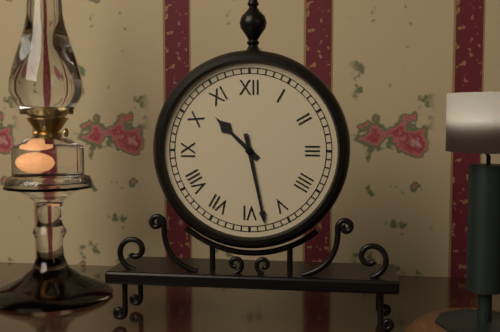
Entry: 10 h 28 min
